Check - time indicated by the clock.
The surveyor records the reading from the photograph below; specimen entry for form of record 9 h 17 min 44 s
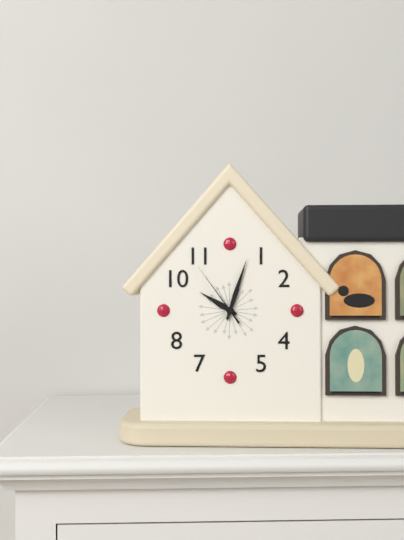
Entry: 10 h 03 min 54 s
